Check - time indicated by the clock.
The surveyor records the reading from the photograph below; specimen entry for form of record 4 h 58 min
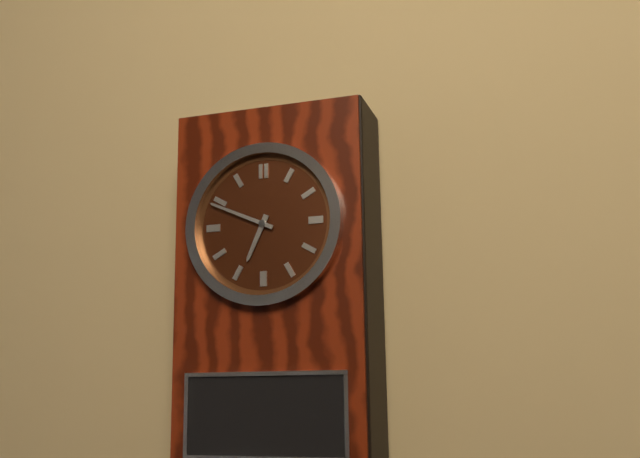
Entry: 6 h 49 min
